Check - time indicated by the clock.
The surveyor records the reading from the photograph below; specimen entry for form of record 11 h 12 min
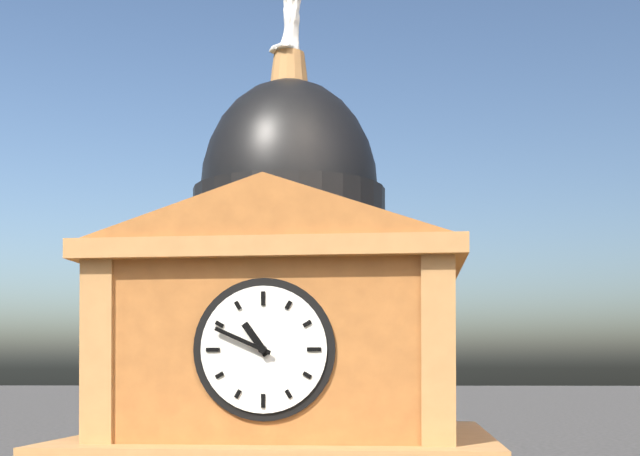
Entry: 10 h 49 min
